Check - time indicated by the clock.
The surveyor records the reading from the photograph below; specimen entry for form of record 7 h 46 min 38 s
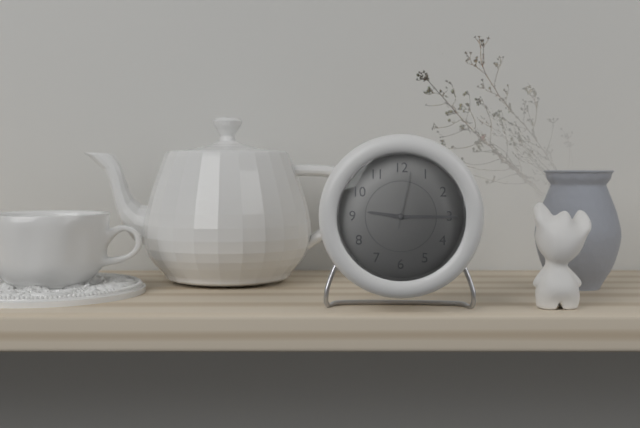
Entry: 9 h 15 min 02 s
